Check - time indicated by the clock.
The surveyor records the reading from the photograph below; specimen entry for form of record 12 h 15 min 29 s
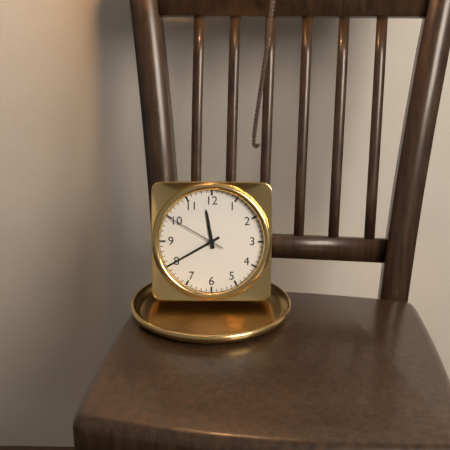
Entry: 11 h 40 min 50 s
